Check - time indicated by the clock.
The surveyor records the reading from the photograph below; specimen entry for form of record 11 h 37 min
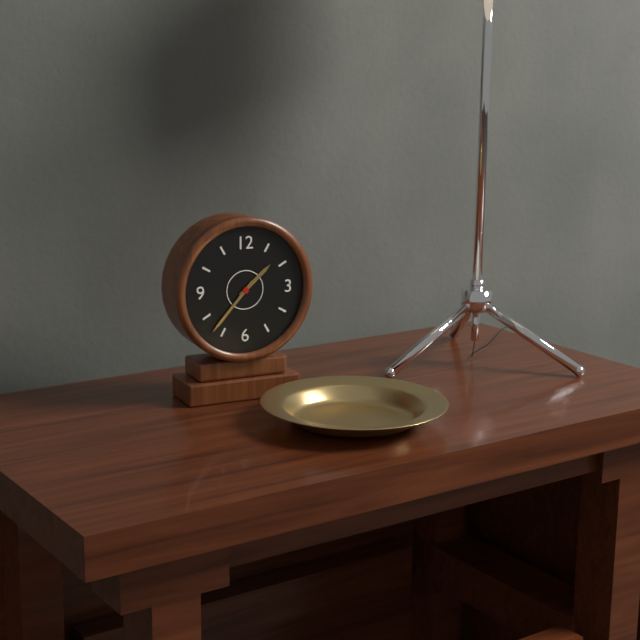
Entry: 1 h 37 min
